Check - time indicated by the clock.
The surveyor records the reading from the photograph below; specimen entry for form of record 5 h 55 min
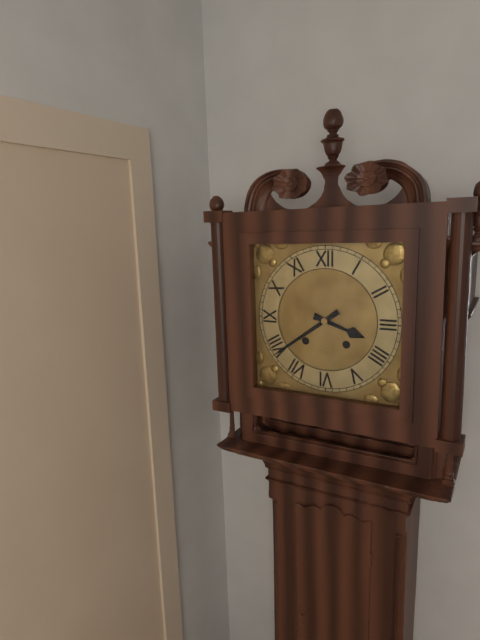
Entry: 3 h 39 min
